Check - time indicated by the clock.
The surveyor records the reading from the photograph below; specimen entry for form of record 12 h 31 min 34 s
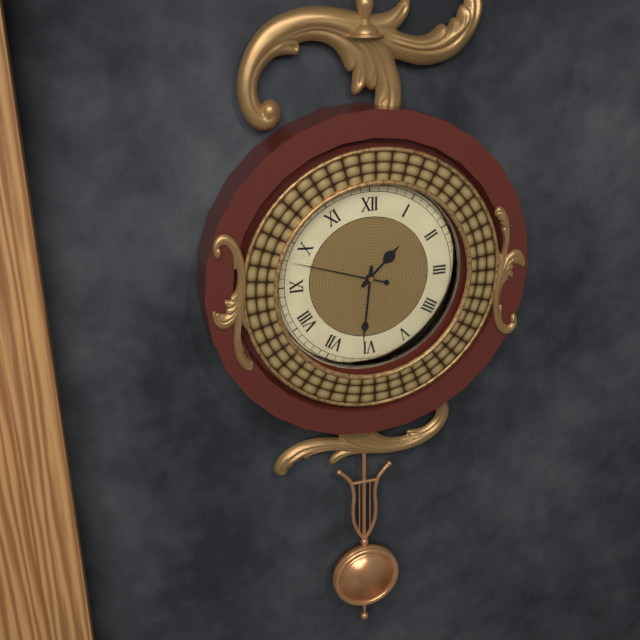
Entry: 1 h 31 min 48 s
